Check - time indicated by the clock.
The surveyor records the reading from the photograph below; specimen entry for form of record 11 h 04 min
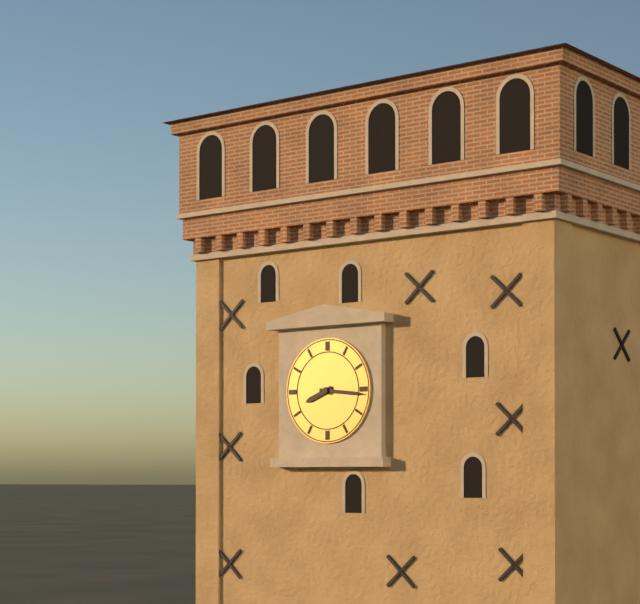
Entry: 8 h 16 min
